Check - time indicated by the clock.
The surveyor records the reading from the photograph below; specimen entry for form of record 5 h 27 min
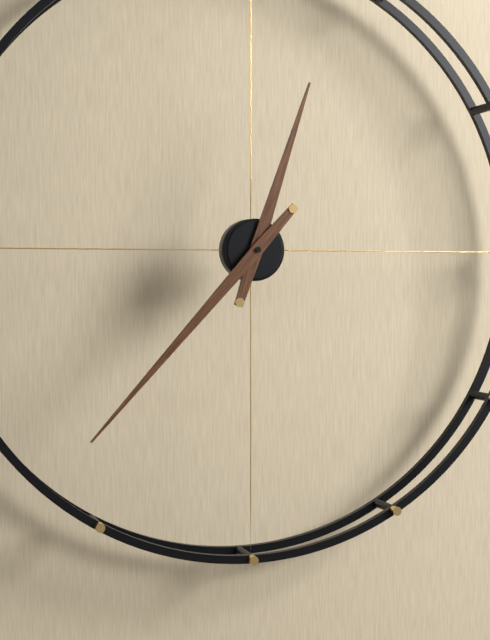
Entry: 12 h 37 min
